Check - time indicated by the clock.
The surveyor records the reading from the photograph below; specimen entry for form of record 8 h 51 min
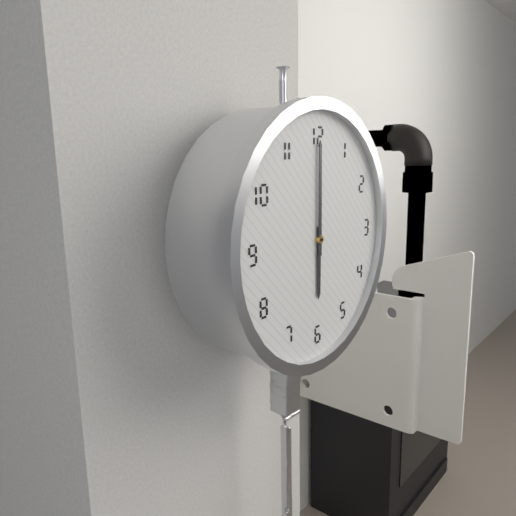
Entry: 6 h 00 min
